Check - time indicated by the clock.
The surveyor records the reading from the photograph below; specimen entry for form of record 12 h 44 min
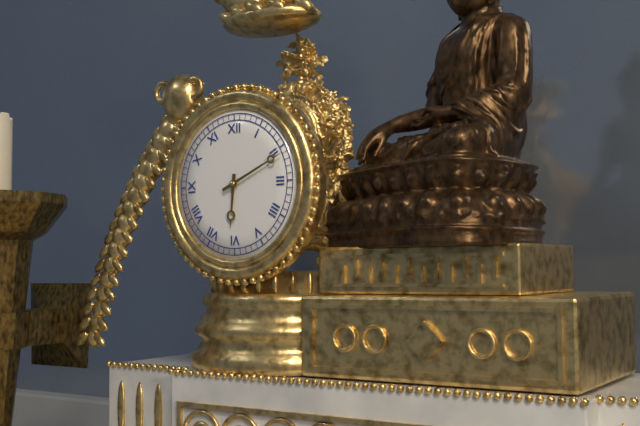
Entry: 6 h 11 min
